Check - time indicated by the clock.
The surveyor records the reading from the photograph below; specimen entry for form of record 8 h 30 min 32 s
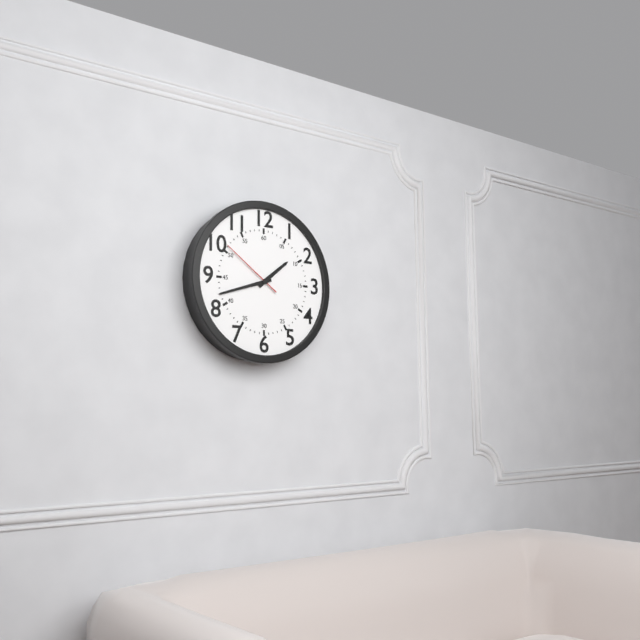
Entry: 1 h 42 min 51 s
